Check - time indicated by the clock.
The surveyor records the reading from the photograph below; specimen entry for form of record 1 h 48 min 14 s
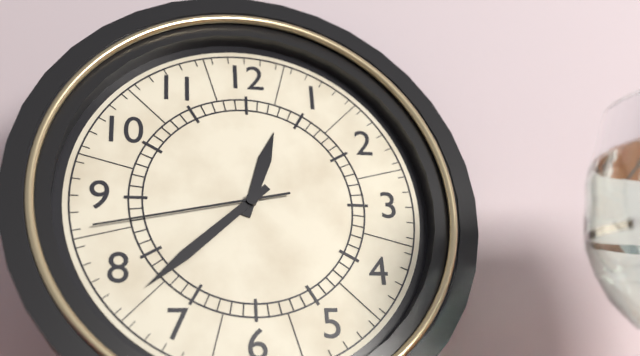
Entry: 12 h 38 min 43 s
